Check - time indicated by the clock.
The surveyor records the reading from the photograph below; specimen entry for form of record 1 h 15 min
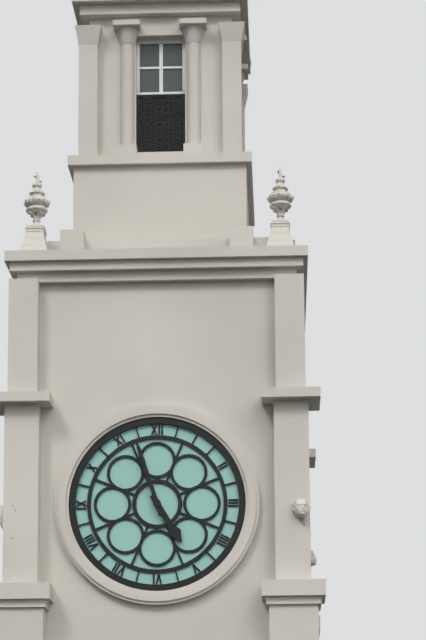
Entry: 4 h 57 min
